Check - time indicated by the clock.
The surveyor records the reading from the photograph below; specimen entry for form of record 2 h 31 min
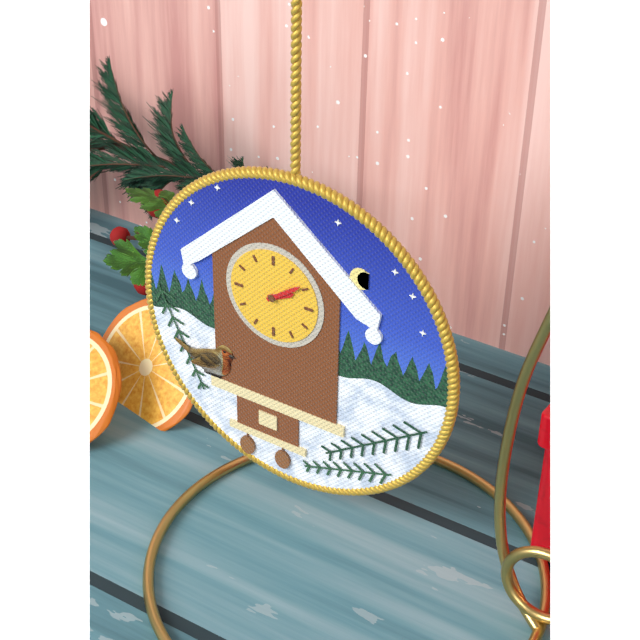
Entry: 2 h 09 min
